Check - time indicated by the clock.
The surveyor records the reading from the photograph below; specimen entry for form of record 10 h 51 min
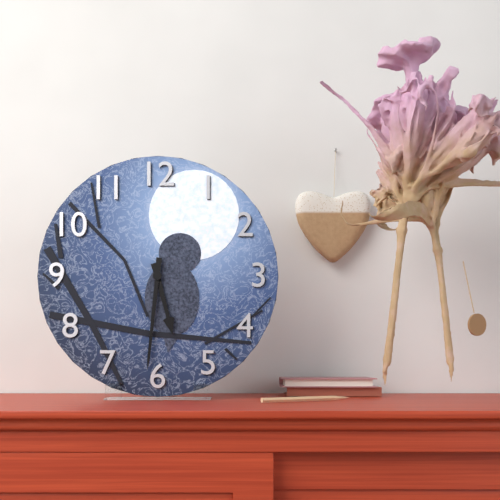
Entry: 5 h 31 min
